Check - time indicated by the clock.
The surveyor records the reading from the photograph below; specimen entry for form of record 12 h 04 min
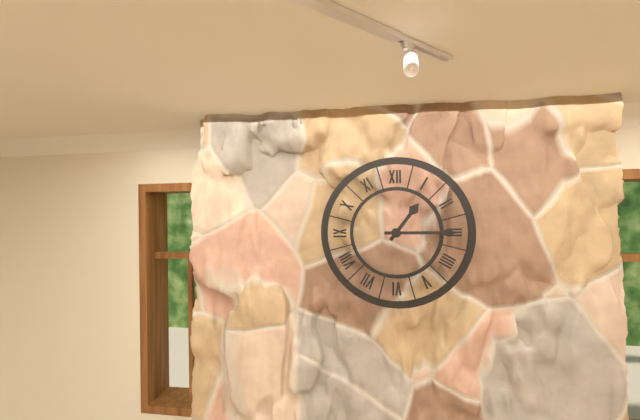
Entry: 1 h 15 min
